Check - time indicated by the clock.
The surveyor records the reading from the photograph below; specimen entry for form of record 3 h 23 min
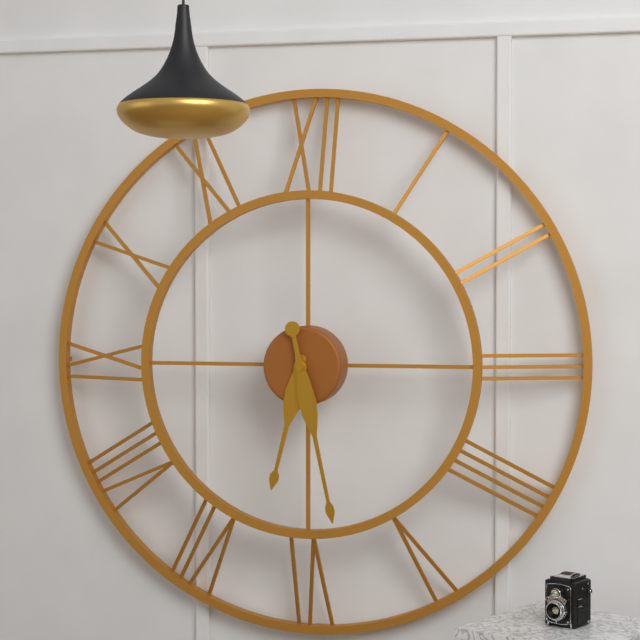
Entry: 6 h 28 min
